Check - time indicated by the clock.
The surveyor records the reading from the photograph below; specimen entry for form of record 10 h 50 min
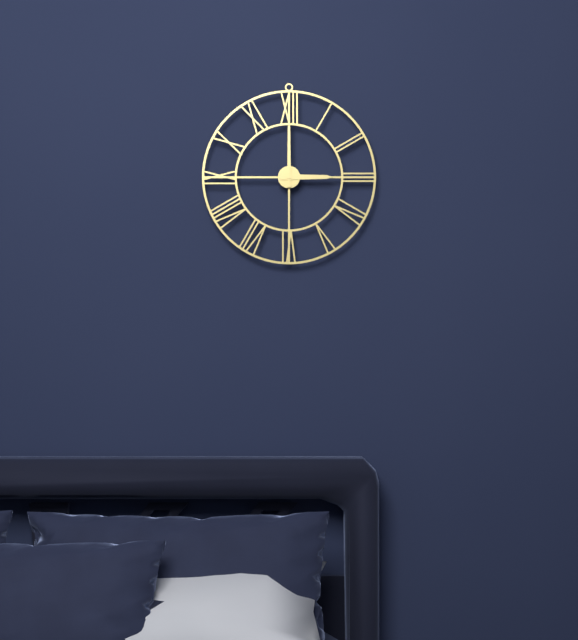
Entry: 3 h 00 min
